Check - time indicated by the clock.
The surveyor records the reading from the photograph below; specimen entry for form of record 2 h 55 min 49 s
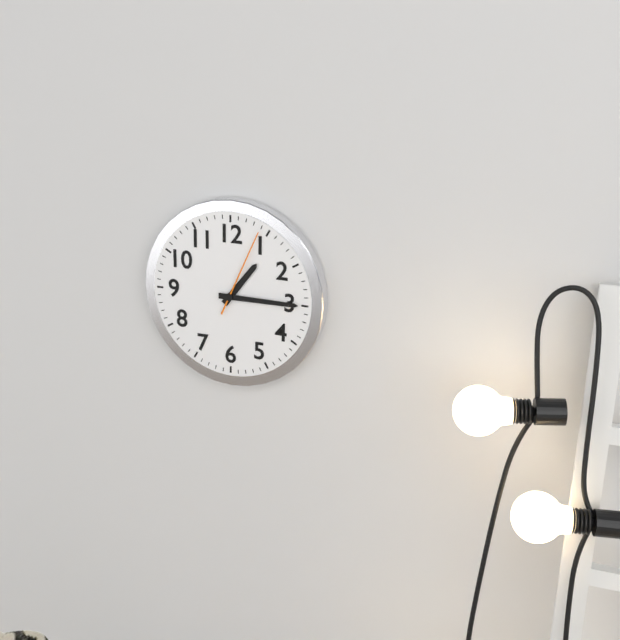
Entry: 1 h 15 min 04 s
